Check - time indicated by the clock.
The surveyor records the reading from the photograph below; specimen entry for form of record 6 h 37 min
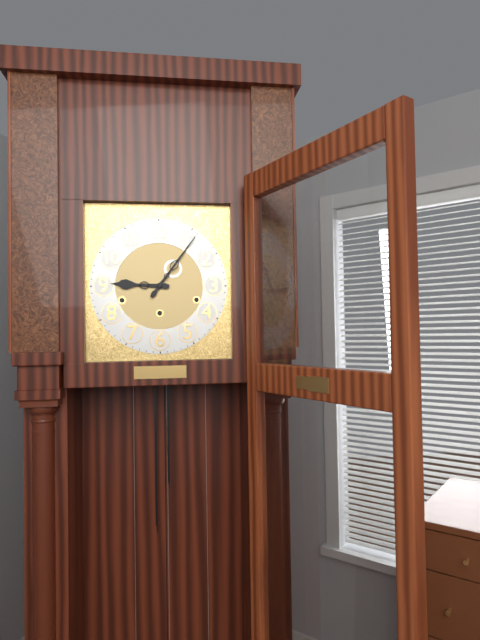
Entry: 9 h 06 min
